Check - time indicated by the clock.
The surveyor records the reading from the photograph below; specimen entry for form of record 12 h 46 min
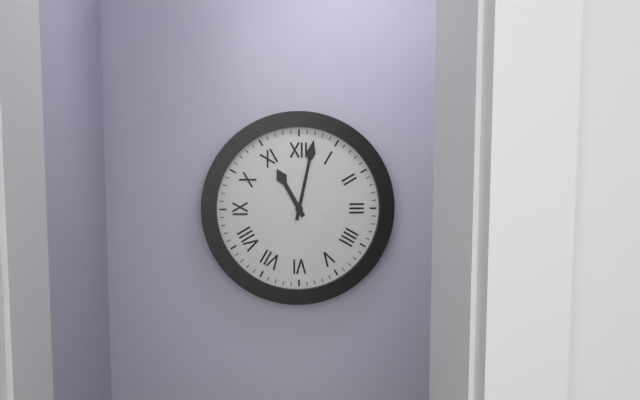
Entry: 11 h 02 min
